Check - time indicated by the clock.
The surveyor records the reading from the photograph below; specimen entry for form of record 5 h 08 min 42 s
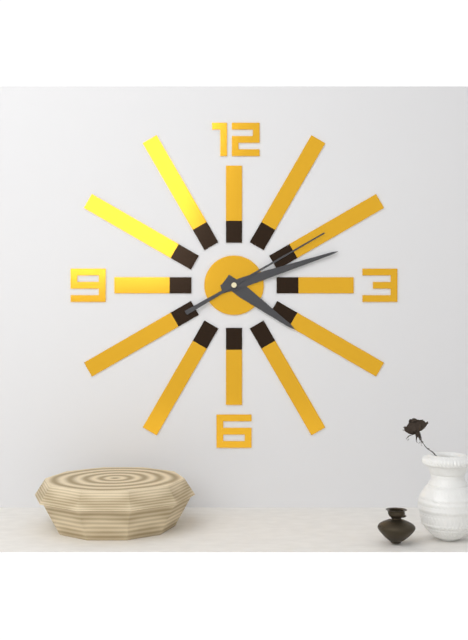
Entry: 4 h 12 min 10 s
